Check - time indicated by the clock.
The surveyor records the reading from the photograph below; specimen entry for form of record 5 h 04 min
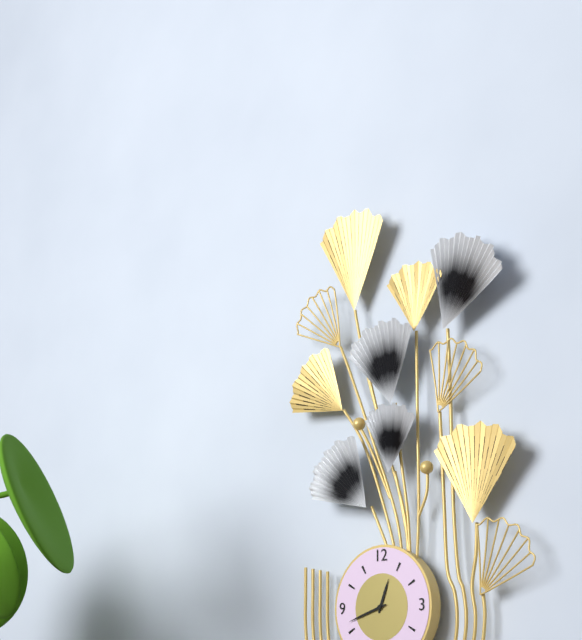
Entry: 12 h 42 min
